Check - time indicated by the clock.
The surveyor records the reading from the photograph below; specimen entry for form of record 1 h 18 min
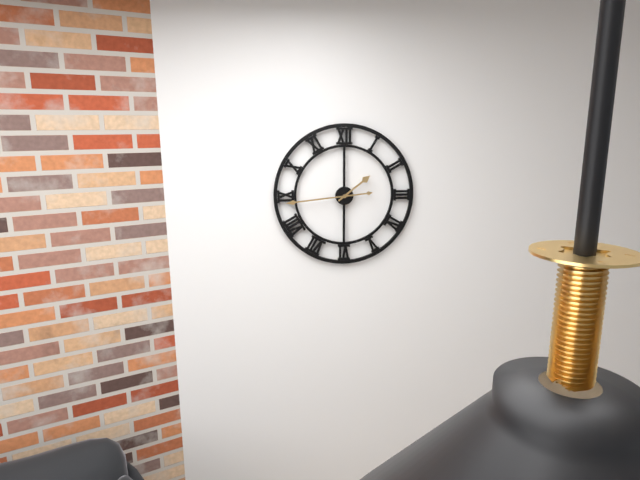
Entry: 1 h 44 min
